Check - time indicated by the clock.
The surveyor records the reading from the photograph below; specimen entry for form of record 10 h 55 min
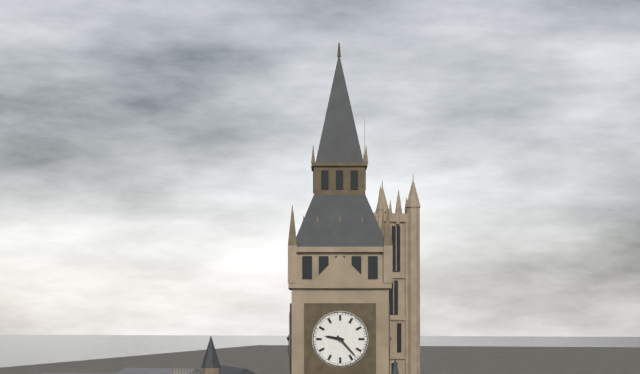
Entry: 9 h 23 min
